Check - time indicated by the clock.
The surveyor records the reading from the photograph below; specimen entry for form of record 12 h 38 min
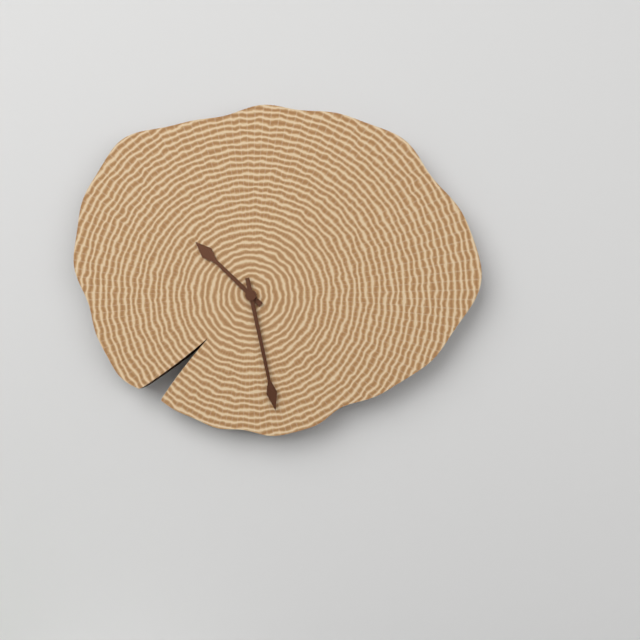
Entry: 10 h 28 min
